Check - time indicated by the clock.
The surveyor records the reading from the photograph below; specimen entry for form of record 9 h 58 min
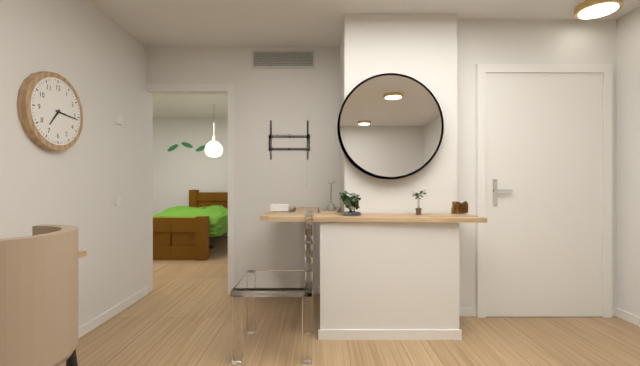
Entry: 7 h 16 min
